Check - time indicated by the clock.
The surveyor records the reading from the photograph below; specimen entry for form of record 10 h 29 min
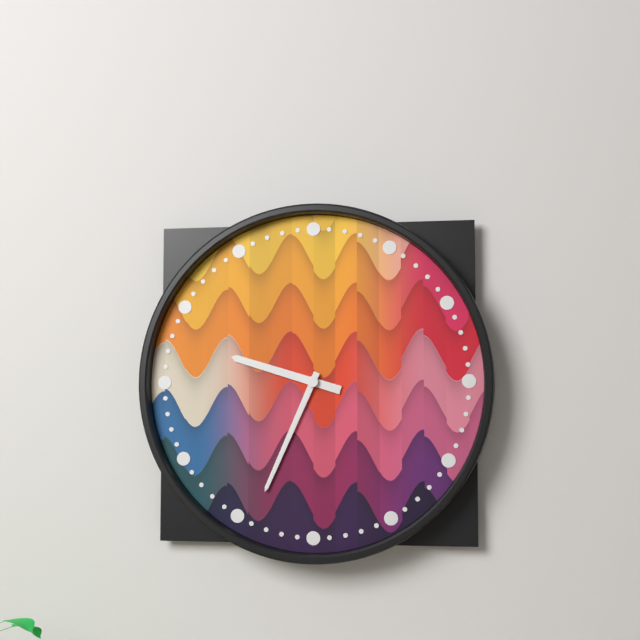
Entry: 9 h 34 min
